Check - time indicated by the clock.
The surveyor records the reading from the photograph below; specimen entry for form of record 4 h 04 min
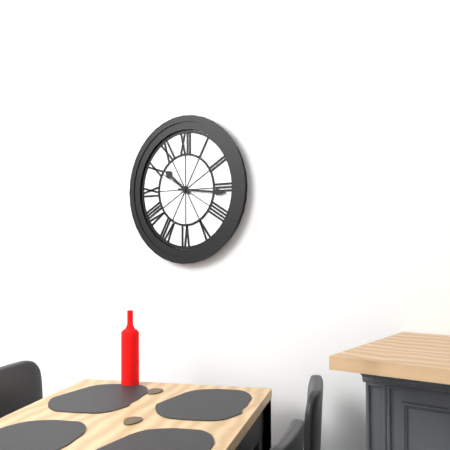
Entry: 10 h 16 min
